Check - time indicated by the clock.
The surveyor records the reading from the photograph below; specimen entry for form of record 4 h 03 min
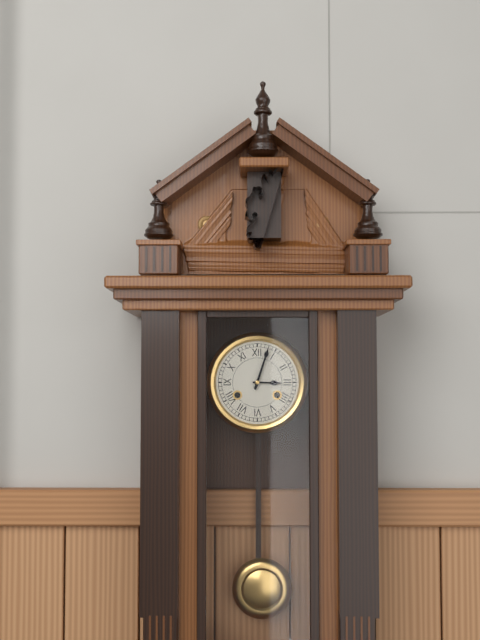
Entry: 3 h 03 min
